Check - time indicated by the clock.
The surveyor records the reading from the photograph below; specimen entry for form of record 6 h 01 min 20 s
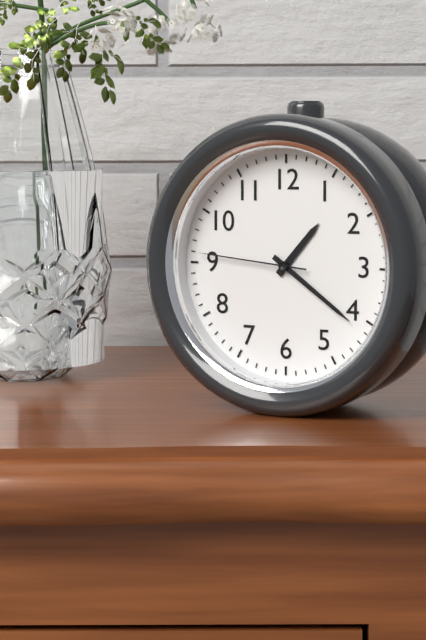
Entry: 1 h 21 min 46 s
